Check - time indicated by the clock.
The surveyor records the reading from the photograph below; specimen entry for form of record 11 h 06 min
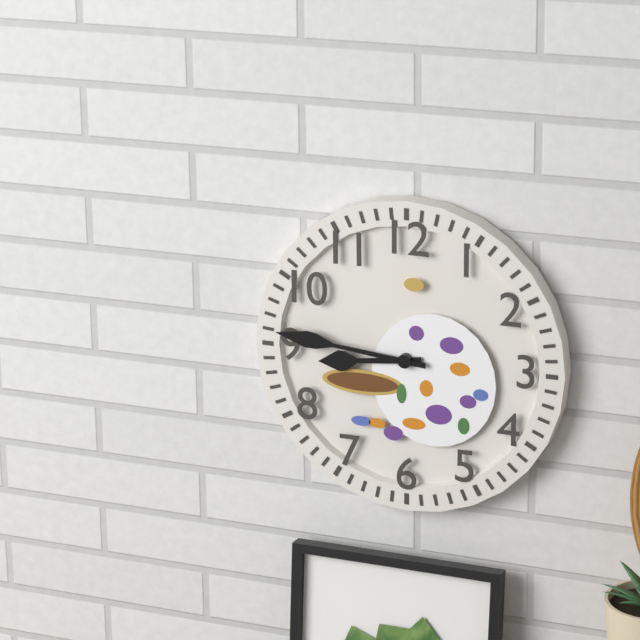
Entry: 8 h 46 min
